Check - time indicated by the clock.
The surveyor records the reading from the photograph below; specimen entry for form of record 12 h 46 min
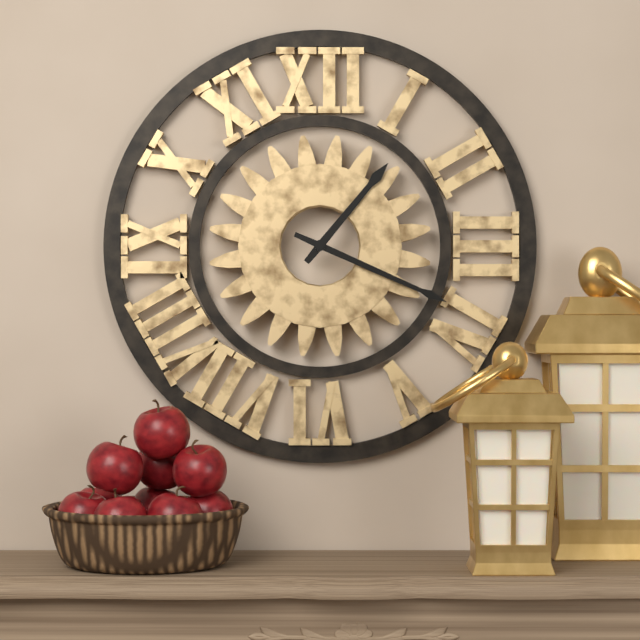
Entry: 1 h 19 min
